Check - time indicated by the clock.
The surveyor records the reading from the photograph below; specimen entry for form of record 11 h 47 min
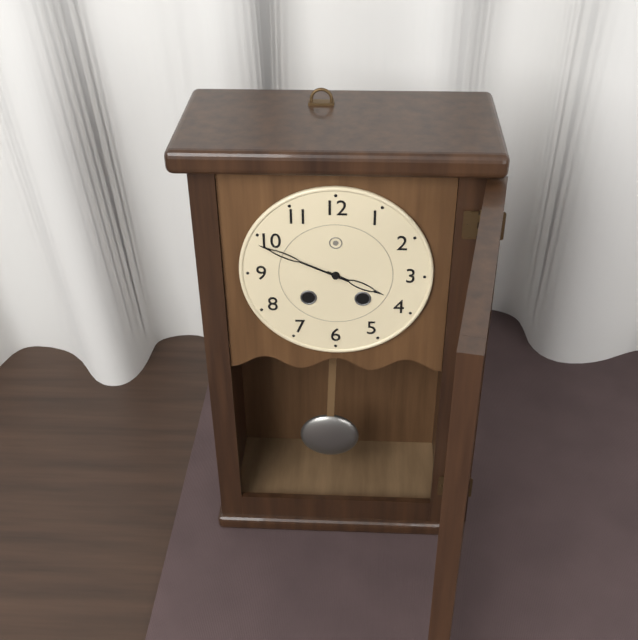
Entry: 3 h 49 min
